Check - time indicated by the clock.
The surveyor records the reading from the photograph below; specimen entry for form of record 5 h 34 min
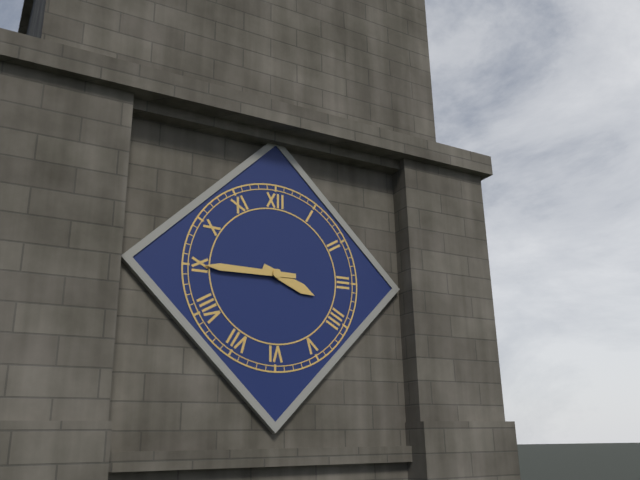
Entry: 3 h 45 min
